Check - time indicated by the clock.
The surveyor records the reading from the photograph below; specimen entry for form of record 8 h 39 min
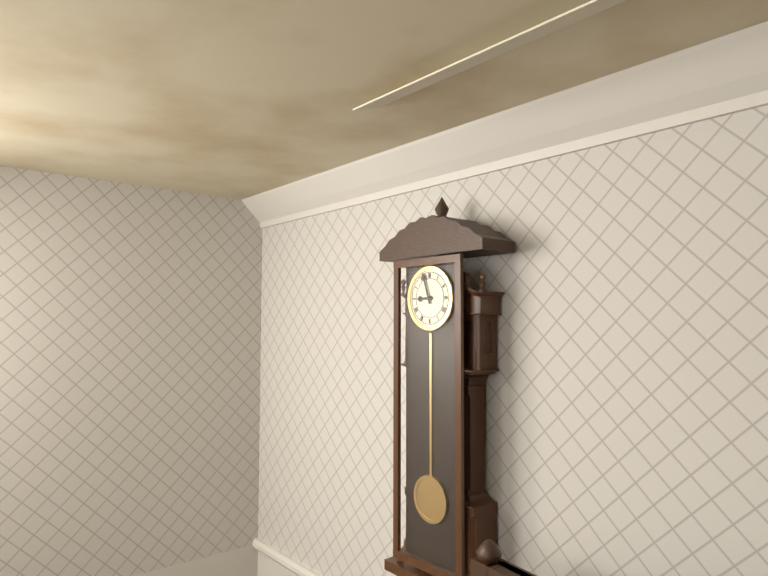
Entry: 8 h 57 min
